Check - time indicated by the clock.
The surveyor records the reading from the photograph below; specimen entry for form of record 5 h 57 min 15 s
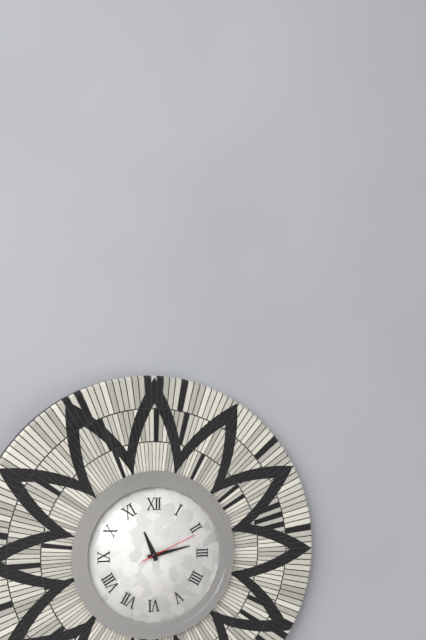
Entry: 11 h 13 min 11 s
